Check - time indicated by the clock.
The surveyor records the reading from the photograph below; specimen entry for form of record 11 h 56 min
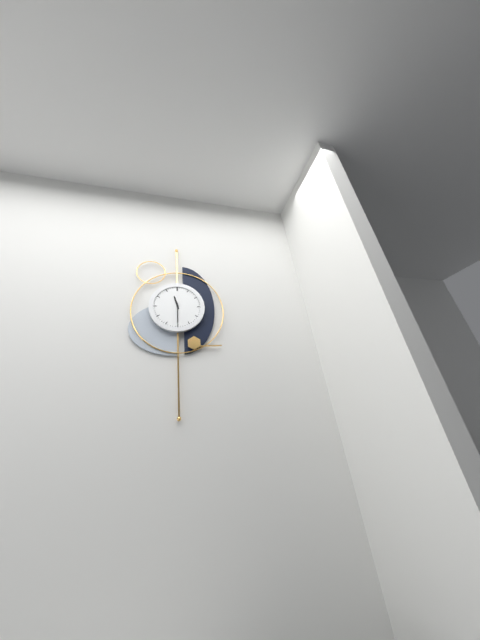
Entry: 11 h 30 min
